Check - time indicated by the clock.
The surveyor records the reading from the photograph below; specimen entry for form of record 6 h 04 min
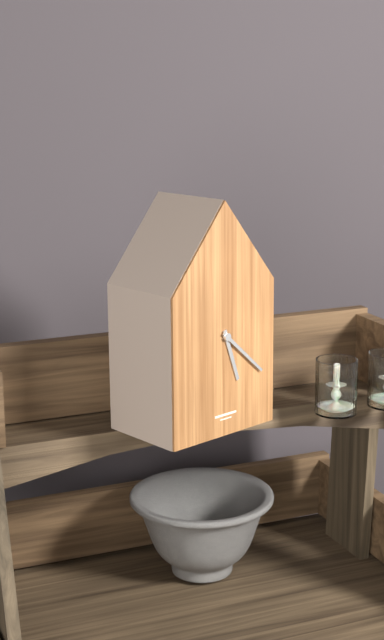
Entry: 5 h 22 min
